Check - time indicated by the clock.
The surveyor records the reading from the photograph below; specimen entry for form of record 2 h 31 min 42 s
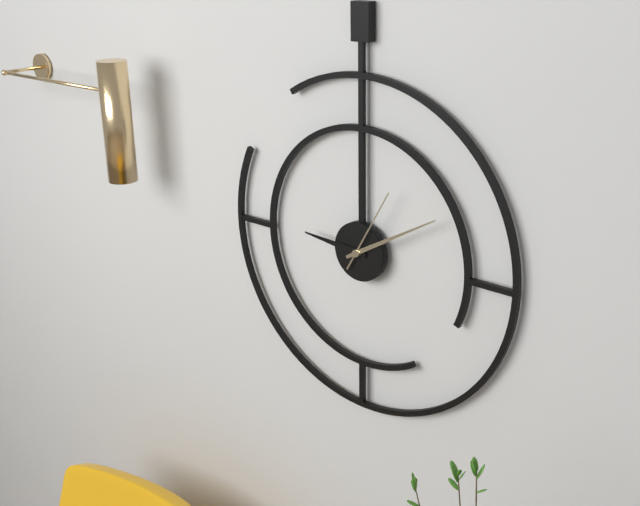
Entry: 9 h 10 min 05 s
